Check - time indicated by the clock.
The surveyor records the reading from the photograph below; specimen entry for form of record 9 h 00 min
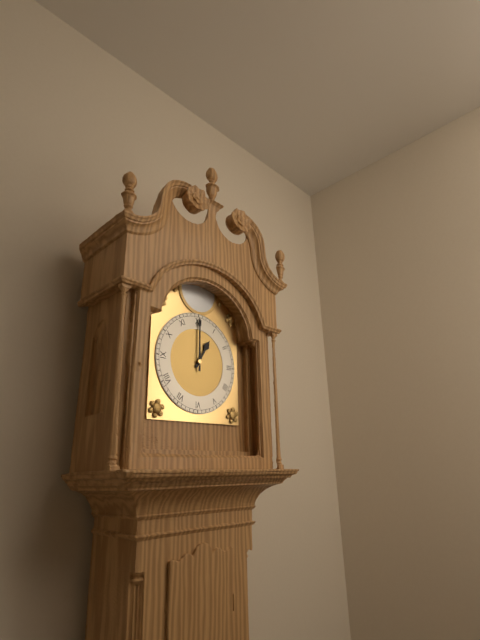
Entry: 1 h 00 min
